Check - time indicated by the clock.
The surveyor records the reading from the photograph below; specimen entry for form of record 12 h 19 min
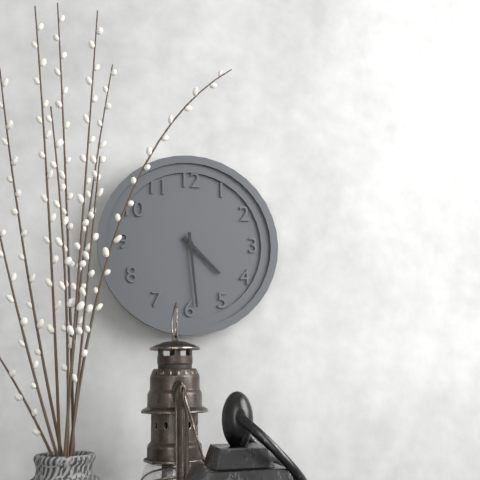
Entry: 4 h 29 min
